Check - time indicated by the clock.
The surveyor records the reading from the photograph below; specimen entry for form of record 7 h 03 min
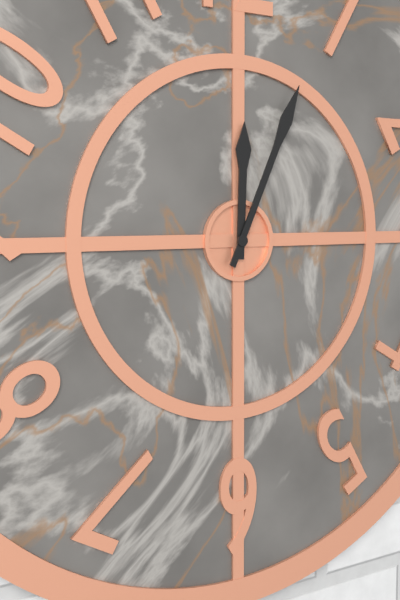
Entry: 12 h 04 min
